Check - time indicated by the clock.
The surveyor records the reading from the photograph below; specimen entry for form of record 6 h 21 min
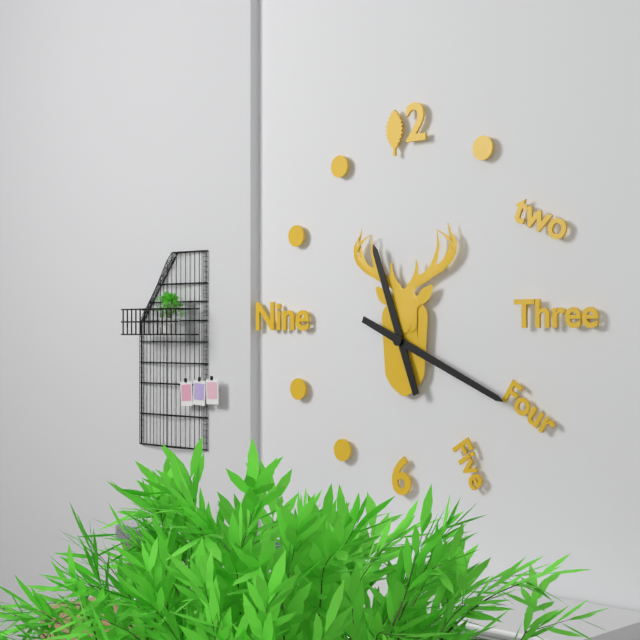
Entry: 11 h 19 min
